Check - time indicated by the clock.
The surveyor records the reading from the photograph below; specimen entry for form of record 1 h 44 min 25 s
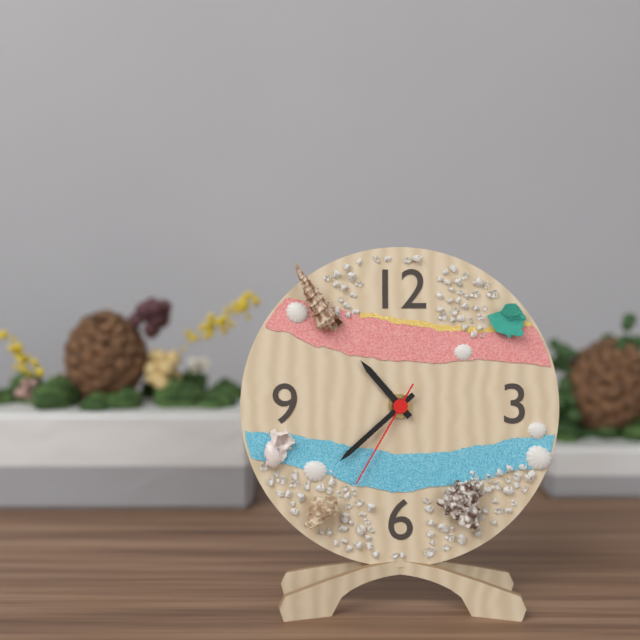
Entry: 10 h 38 min 35 s
